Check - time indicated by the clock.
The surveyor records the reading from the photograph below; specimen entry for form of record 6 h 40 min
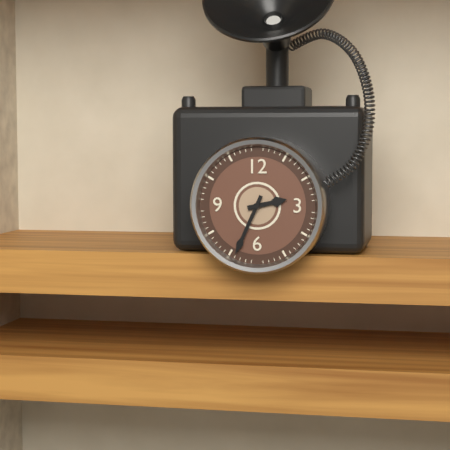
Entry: 2 h 34 min
